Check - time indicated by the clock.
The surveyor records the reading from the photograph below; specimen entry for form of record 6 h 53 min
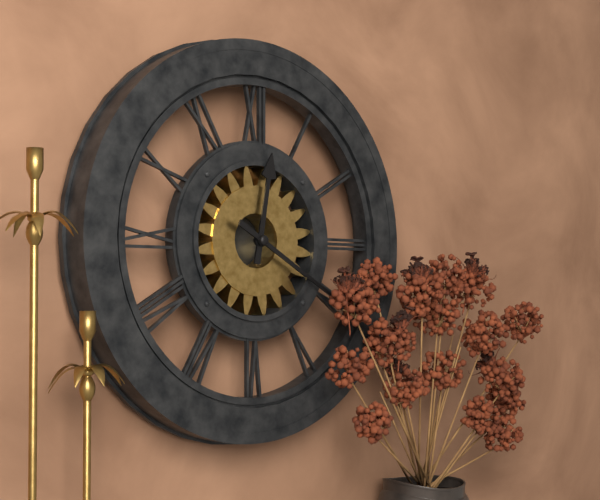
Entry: 12 h 20 min
